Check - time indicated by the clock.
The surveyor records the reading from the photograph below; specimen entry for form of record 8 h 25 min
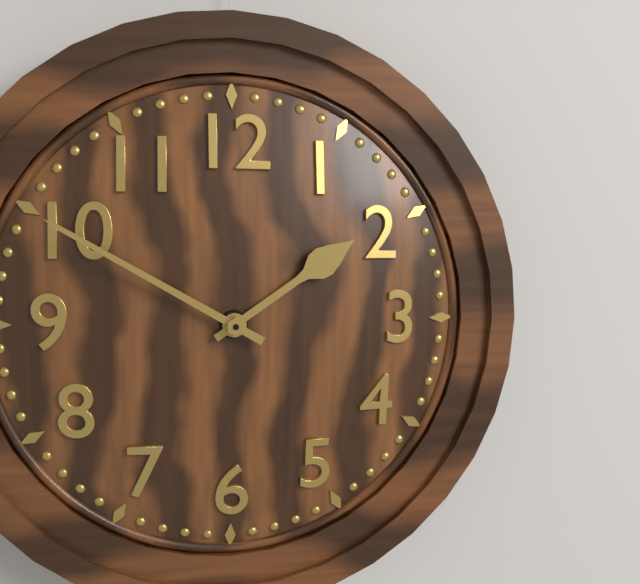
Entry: 1 h 50 min
